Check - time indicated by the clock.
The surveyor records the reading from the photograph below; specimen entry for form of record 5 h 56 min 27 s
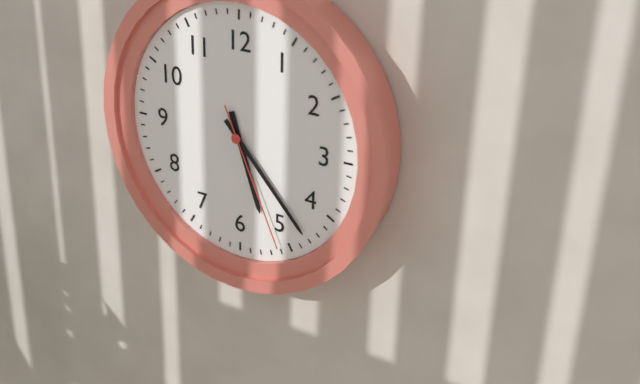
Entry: 5 h 23 min 26 s
